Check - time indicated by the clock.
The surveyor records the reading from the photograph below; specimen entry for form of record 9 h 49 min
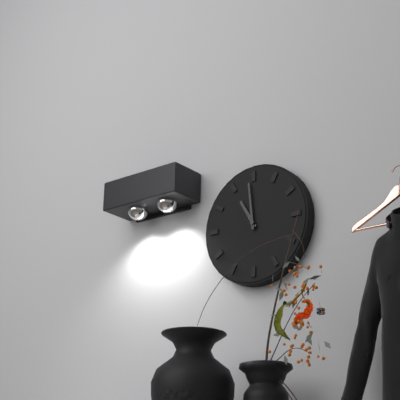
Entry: 10 h 59 min
